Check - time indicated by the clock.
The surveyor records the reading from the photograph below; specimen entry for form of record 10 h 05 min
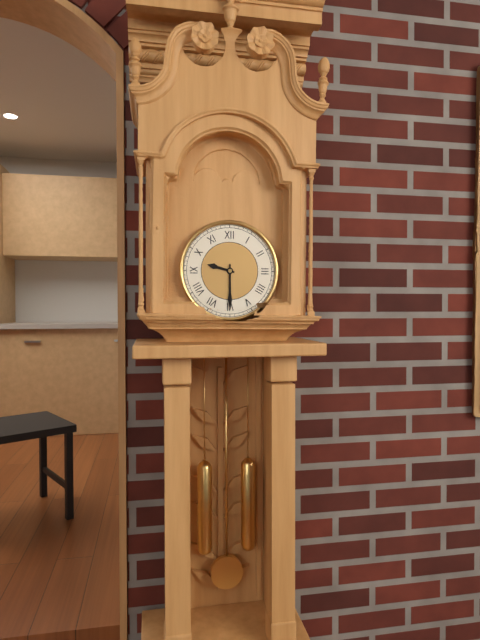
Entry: 9 h 30 min
